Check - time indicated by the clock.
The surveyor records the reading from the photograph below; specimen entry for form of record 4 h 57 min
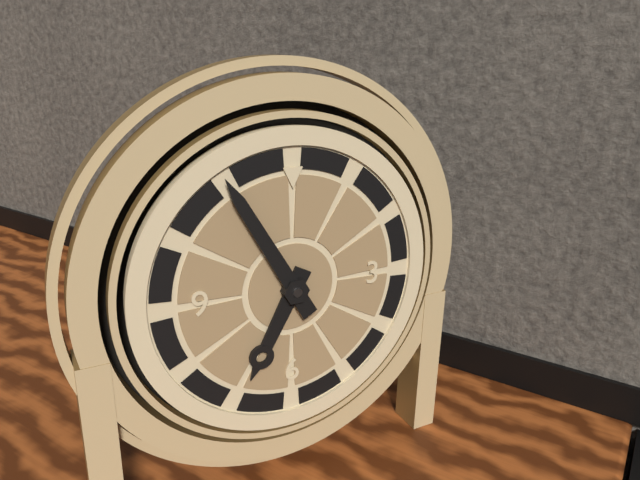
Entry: 6 h 55 min
